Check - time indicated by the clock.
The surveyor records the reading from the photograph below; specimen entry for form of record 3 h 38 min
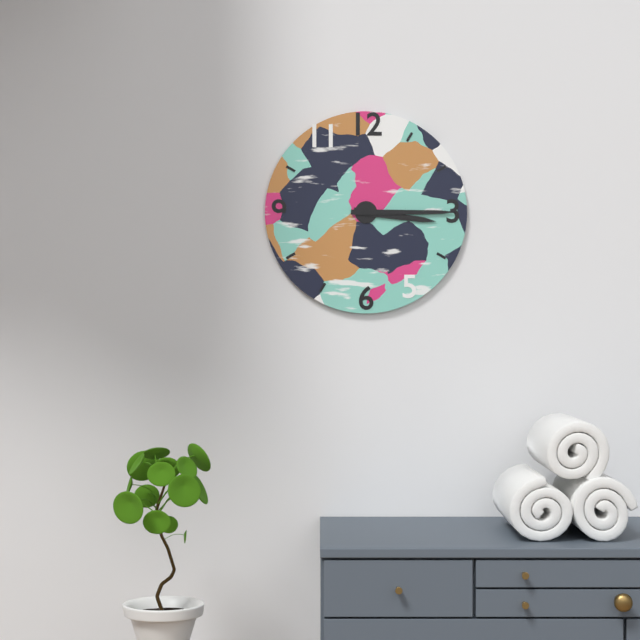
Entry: 3 h 15 min
